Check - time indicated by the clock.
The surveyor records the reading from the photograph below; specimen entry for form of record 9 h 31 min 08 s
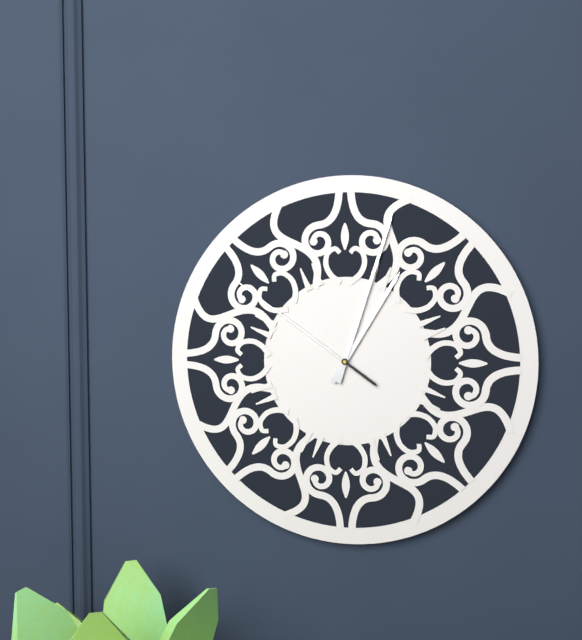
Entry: 1 h 03 min 51 s
